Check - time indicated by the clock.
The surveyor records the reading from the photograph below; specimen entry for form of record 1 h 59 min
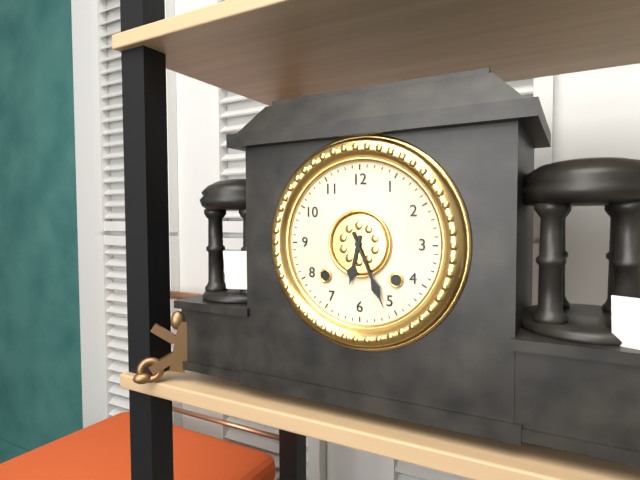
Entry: 6 h 26 min
